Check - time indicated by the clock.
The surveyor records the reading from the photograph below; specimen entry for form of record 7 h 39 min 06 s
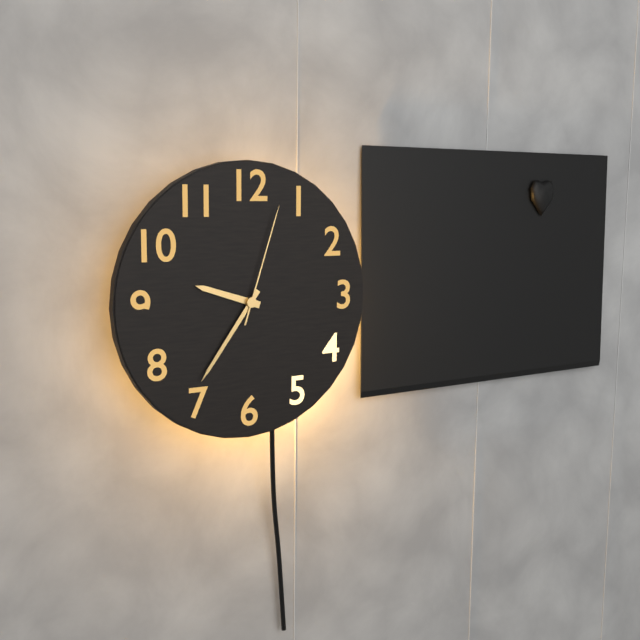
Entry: 9 h 36 min 03 s
